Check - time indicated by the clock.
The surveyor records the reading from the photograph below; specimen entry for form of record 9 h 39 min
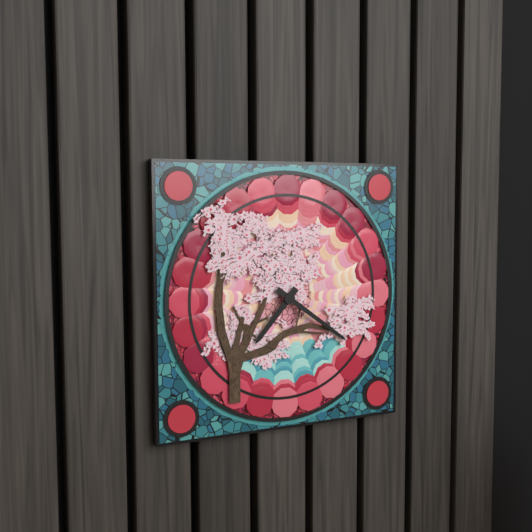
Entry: 7 h 21 min
